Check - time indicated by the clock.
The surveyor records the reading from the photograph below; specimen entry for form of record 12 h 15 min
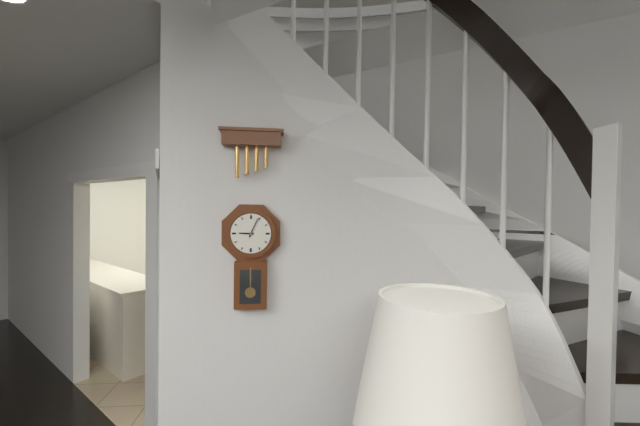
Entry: 9 h 04 min
